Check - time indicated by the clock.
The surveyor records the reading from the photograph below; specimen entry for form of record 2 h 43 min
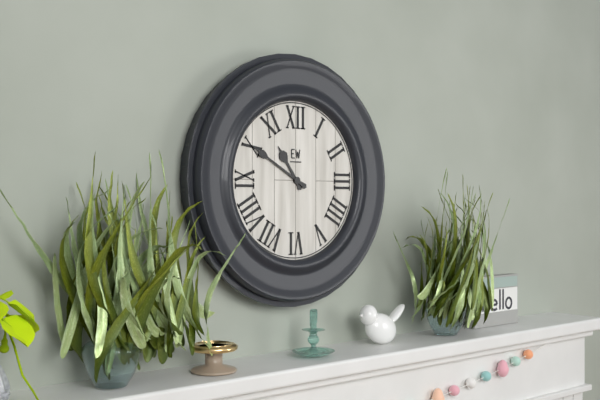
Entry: 10 h 50 min
